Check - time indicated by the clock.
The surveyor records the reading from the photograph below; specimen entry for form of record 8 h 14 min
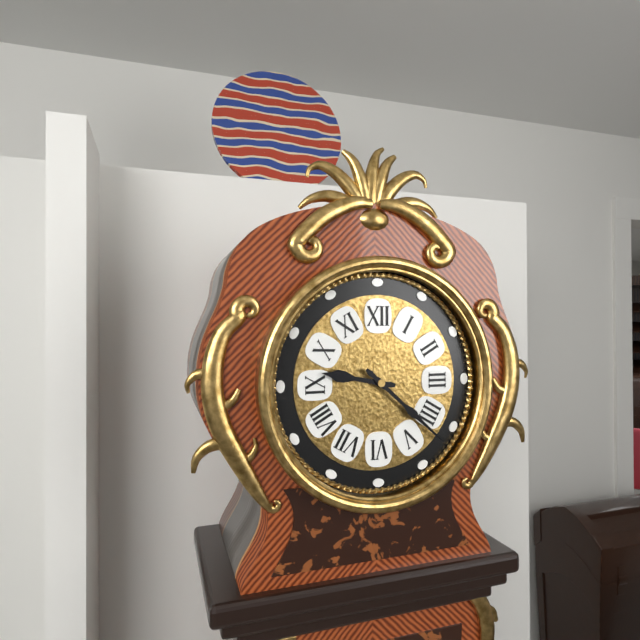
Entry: 9 h 22 min
